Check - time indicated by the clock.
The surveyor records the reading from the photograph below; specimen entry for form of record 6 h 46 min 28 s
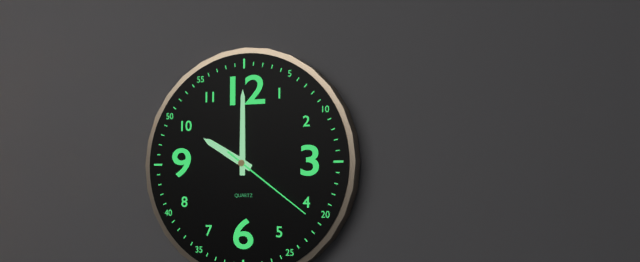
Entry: 10 h 00 min 21 s
